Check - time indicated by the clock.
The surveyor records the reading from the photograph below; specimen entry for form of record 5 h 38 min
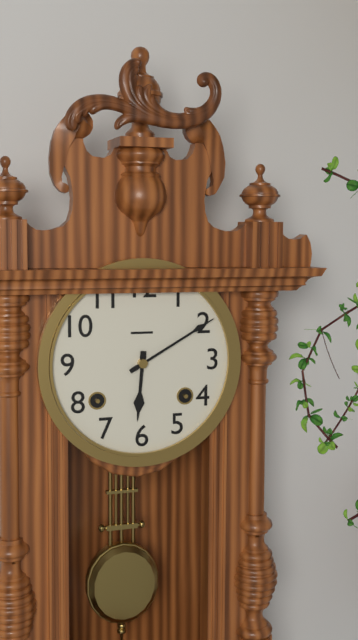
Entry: 6 h 10 min
